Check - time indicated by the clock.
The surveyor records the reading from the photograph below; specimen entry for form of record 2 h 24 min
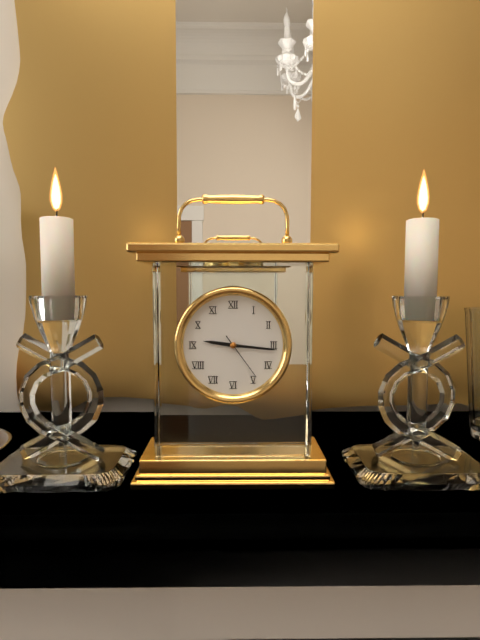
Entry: 9 h 16 min
